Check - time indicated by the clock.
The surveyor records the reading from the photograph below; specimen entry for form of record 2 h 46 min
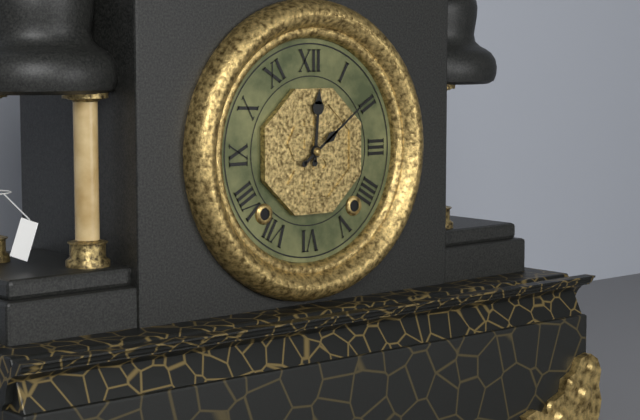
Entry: 12 h 09 min
